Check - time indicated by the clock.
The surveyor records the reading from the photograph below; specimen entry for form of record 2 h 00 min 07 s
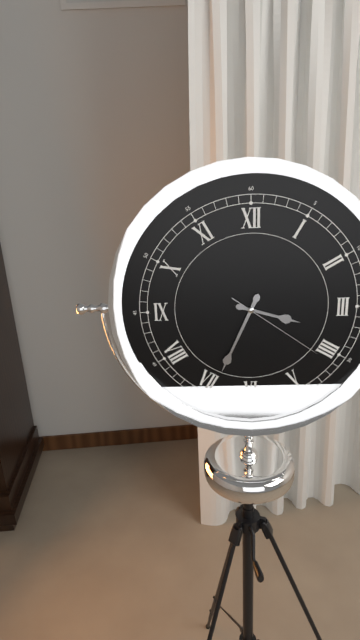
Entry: 3 h 34 min 21 s
